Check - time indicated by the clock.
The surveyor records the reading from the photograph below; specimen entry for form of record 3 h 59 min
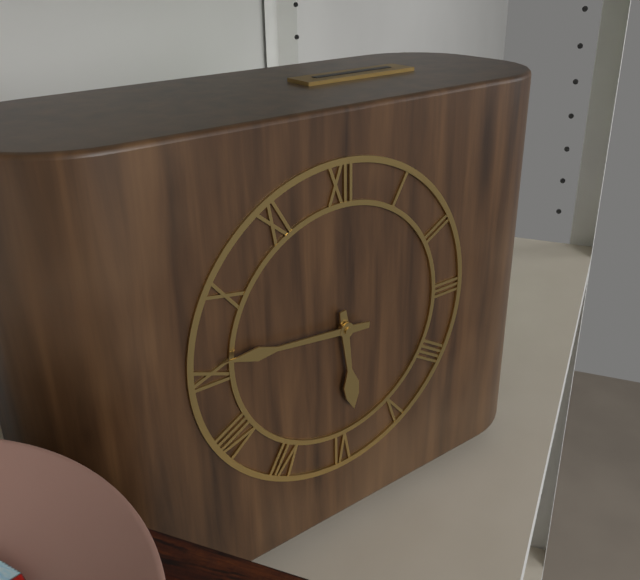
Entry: 5 h 46 min
